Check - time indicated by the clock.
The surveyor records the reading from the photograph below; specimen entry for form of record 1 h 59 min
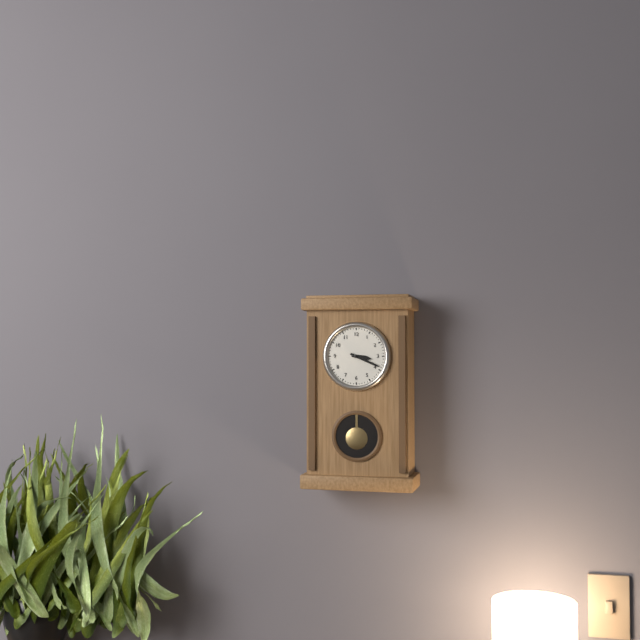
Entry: 3 h 19 min
